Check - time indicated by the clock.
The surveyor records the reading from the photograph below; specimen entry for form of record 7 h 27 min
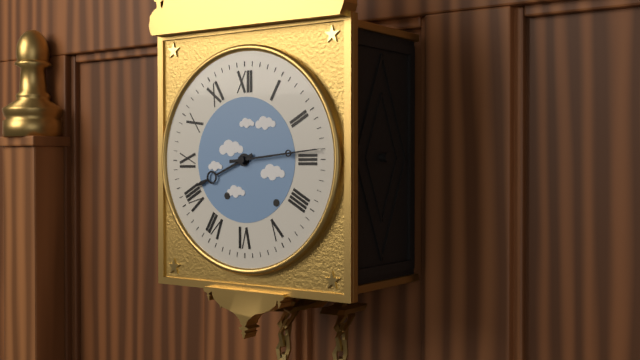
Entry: 8 h 14 min
